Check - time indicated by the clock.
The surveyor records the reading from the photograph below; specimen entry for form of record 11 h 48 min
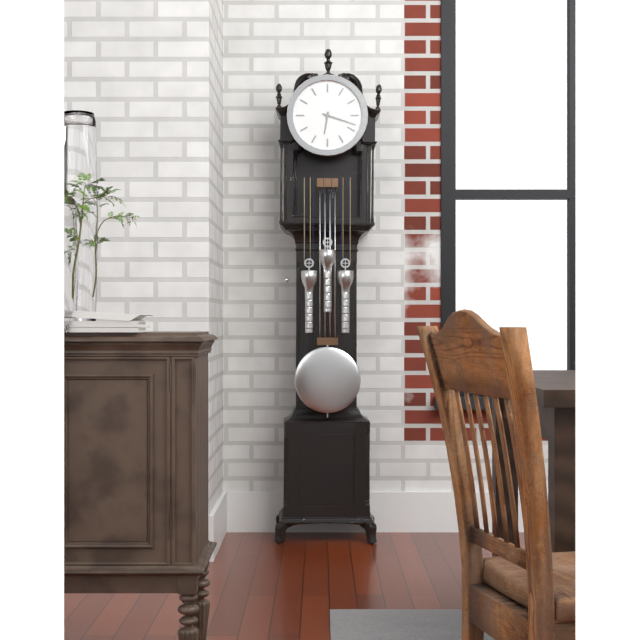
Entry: 6 h 18 min
